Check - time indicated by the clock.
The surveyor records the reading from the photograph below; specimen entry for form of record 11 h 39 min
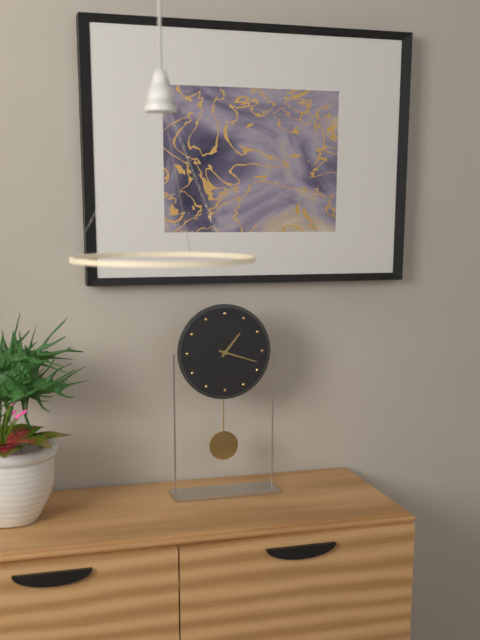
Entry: 1 h 18 min
